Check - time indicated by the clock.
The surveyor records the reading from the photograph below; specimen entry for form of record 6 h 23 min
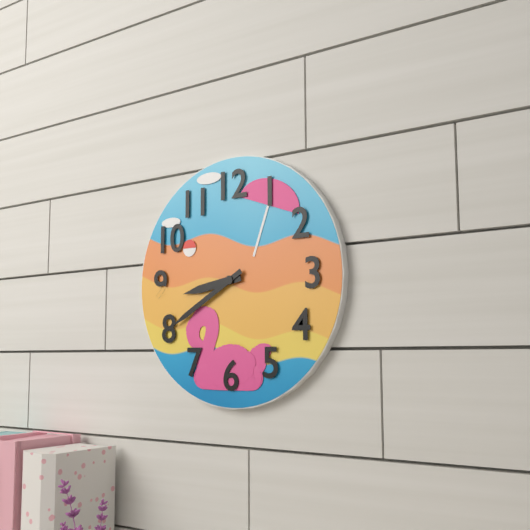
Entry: 8 h 40 min
